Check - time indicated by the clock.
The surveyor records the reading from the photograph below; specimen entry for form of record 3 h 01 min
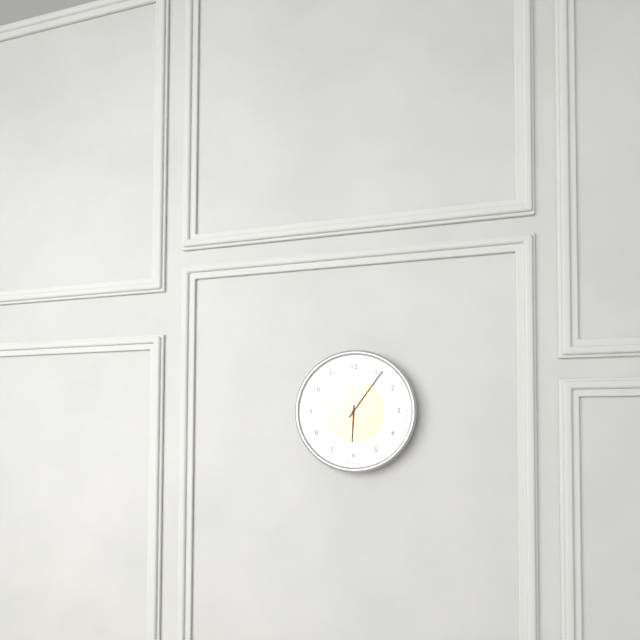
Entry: 6 h 06 min
